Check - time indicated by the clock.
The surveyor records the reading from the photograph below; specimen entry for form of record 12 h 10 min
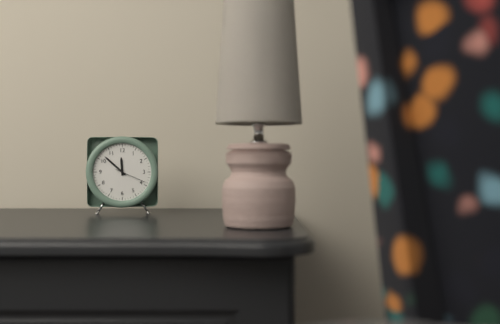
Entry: 11 h 52 min
